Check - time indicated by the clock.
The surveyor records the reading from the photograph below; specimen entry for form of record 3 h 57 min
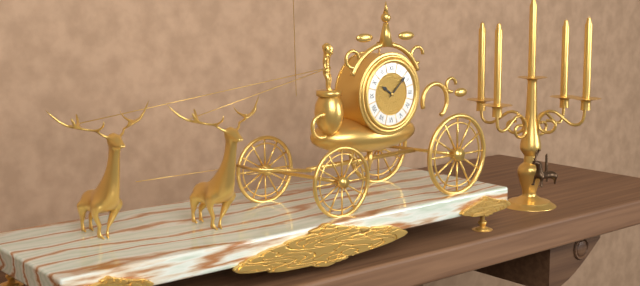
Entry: 10 h 08 min
